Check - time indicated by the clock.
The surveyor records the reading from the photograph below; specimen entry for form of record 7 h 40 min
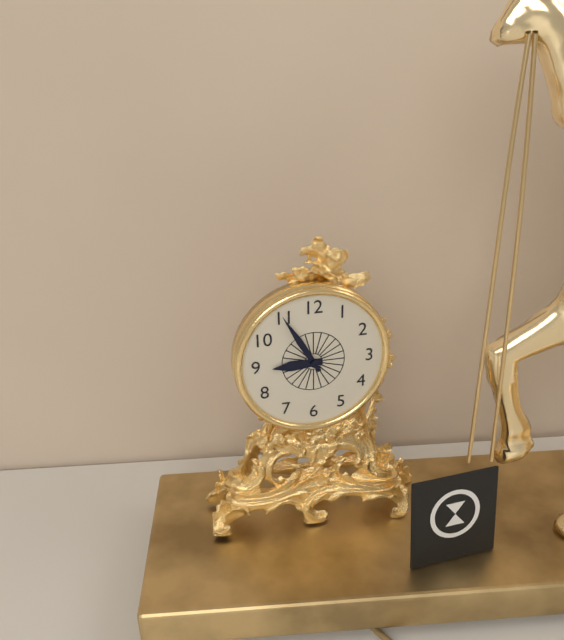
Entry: 8 h 55 min
